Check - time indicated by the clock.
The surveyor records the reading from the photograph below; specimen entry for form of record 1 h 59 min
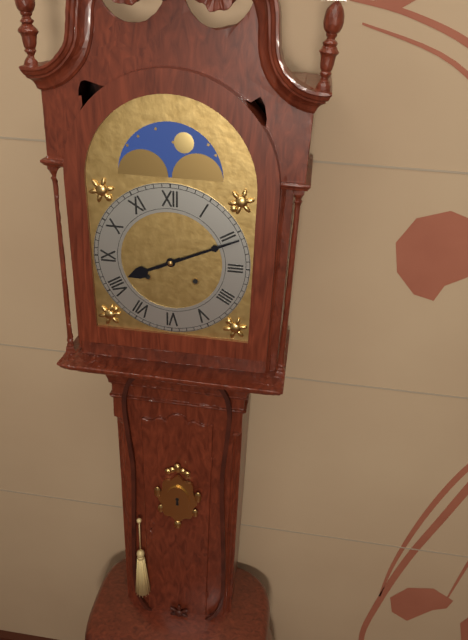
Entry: 8 h 11 min
